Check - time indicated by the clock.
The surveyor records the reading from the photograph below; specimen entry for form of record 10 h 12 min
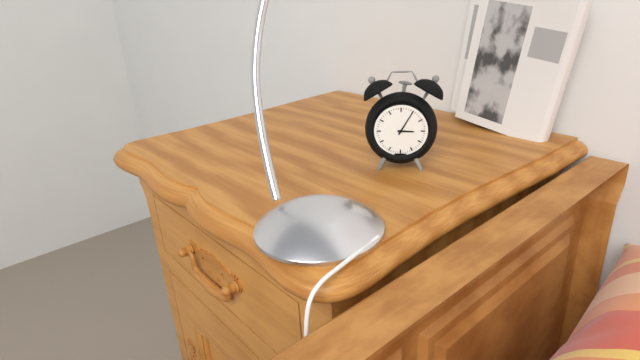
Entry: 3 h 05 min
